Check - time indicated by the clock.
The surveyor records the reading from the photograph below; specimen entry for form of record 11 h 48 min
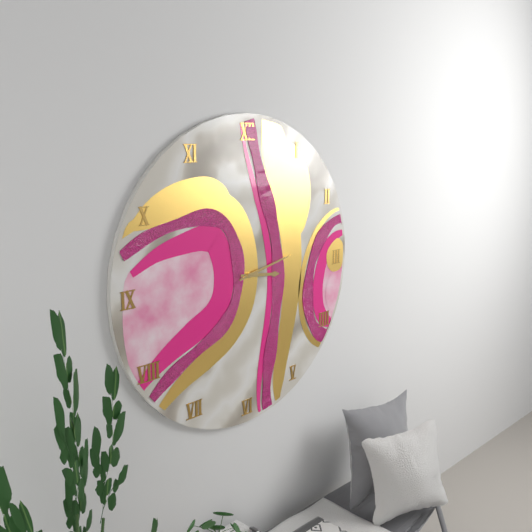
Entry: 3 h 13 min
